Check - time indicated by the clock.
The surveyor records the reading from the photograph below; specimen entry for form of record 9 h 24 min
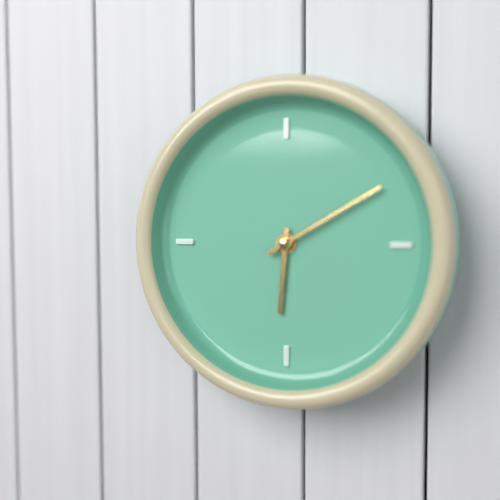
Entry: 6 h 10 min
